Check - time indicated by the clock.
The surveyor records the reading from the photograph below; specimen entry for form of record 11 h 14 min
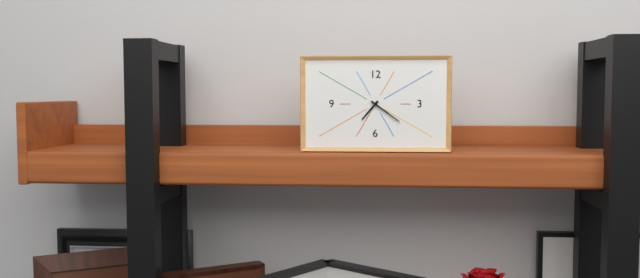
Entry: 7 h 21 min
